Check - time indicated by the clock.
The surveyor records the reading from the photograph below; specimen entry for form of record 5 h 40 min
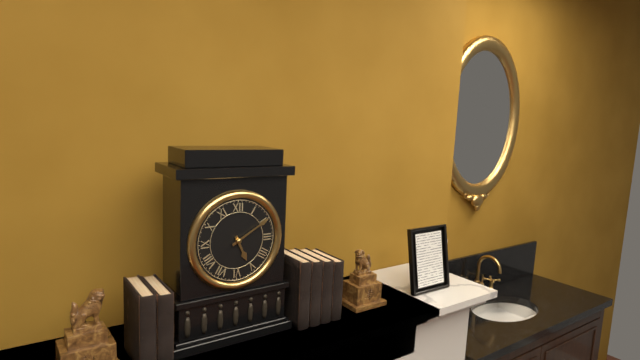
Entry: 5 h 10 min
